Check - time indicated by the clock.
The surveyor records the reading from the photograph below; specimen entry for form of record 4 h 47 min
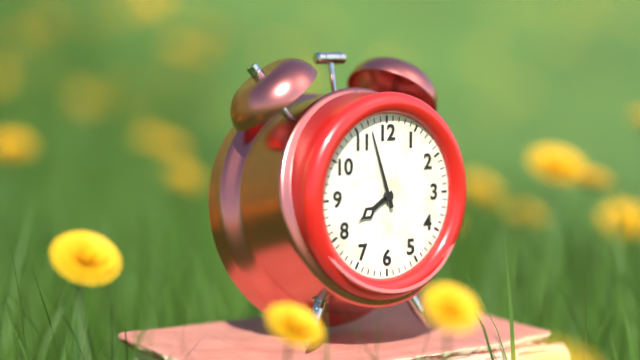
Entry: 7 h 57 min
